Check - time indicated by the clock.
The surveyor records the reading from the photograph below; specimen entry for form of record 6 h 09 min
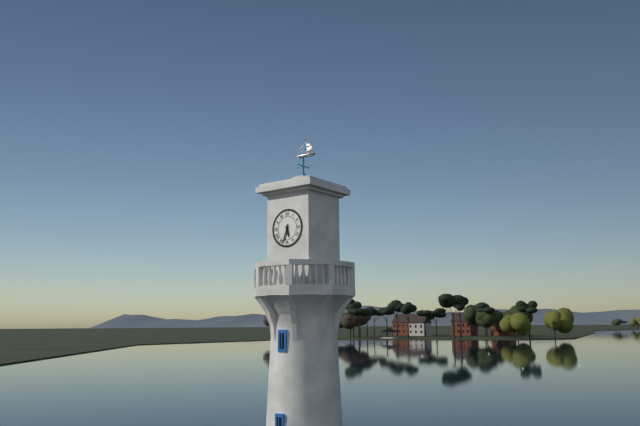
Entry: 5 h 33 min
